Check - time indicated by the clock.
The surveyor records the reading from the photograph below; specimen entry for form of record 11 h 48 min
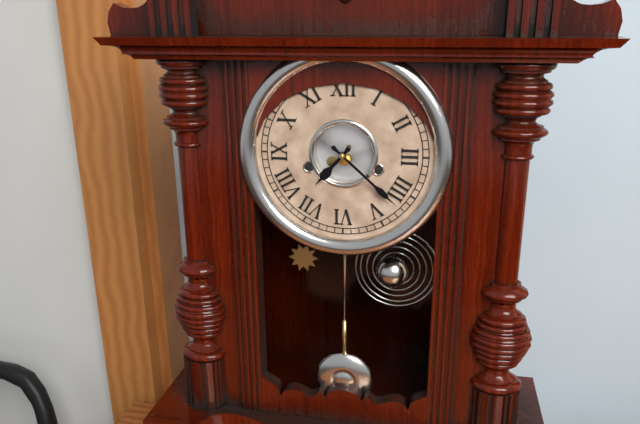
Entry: 7 h 22 min
